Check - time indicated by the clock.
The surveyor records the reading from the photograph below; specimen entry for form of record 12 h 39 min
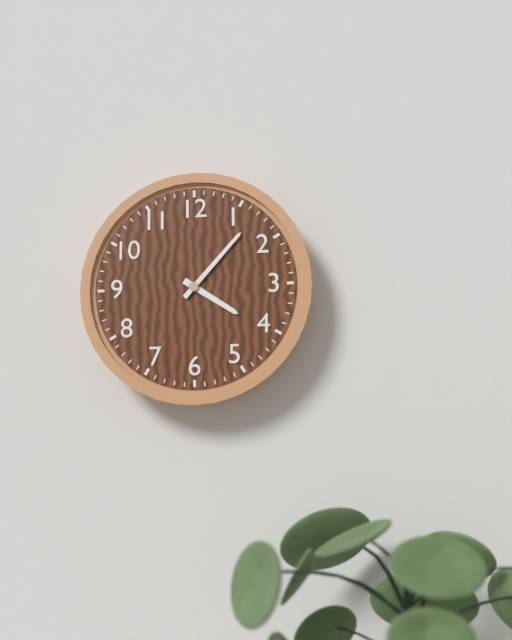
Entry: 4 h 07 min
